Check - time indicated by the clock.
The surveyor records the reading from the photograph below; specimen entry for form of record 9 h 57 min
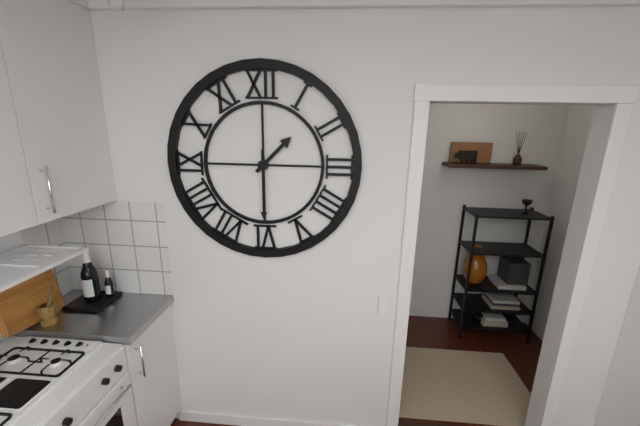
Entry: 1 h 30 min
